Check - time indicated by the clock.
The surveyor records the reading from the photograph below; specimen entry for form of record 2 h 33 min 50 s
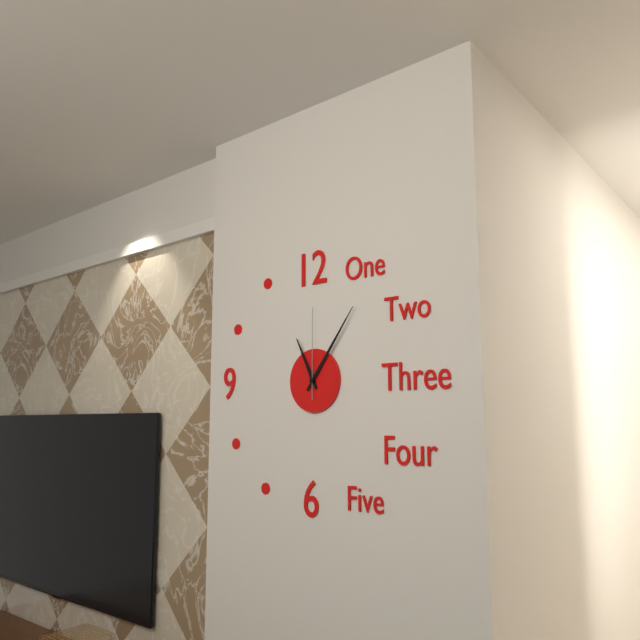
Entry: 11 h 06 min 00 s
